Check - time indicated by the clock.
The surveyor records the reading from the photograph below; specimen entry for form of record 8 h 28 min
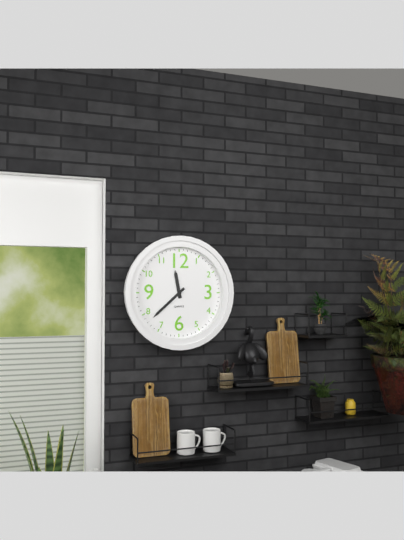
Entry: 11 h 38 min
